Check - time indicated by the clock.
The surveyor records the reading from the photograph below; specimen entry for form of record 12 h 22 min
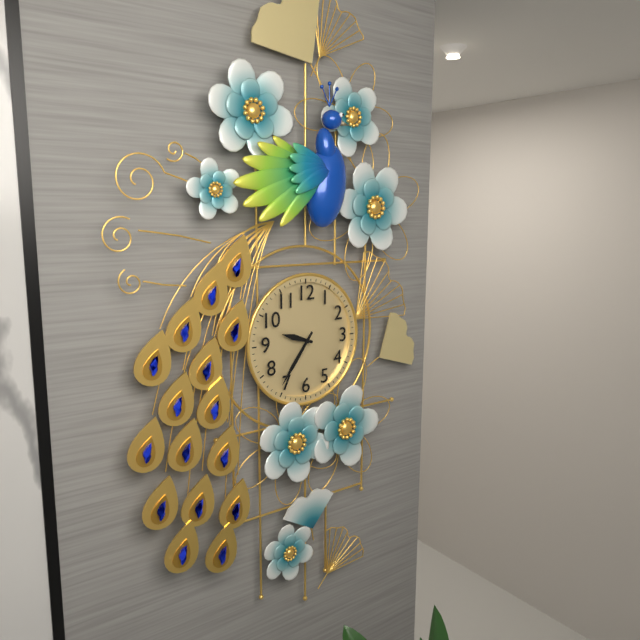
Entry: 9 h 36 min
